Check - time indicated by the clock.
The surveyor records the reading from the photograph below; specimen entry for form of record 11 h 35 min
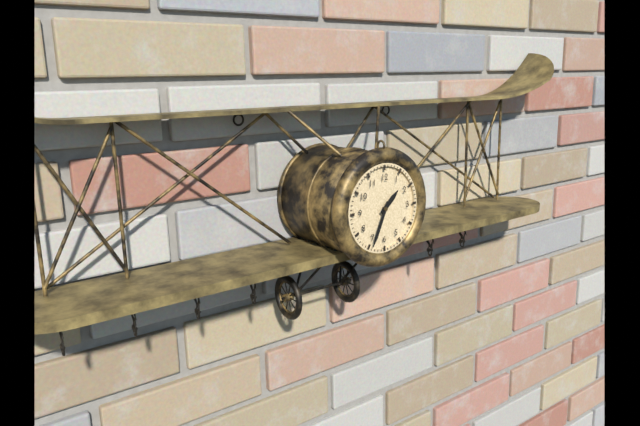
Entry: 1 h 34 min
